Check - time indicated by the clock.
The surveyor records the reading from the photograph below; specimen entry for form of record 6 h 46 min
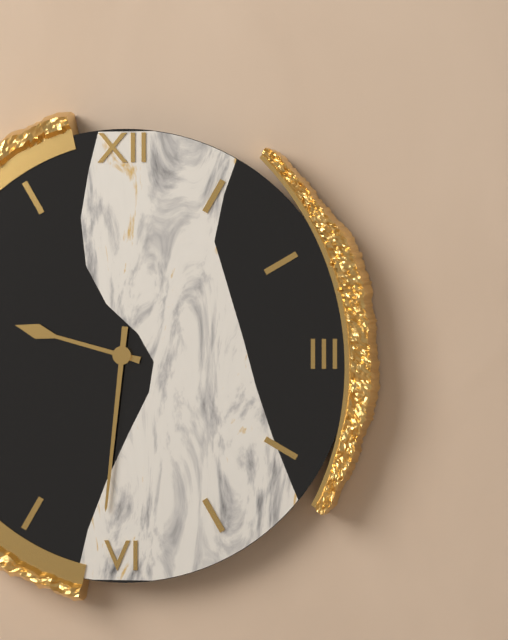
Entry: 9 h 31 min
